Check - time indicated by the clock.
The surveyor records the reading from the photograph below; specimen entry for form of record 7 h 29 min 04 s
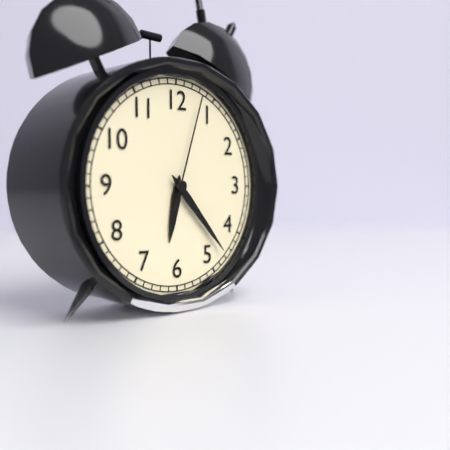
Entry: 6 h 23 min 03 s
